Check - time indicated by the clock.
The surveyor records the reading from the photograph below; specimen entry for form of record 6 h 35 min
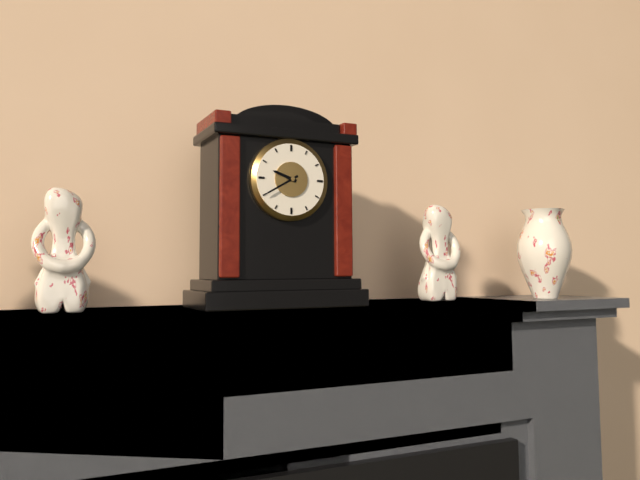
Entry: 9 h 40 min
